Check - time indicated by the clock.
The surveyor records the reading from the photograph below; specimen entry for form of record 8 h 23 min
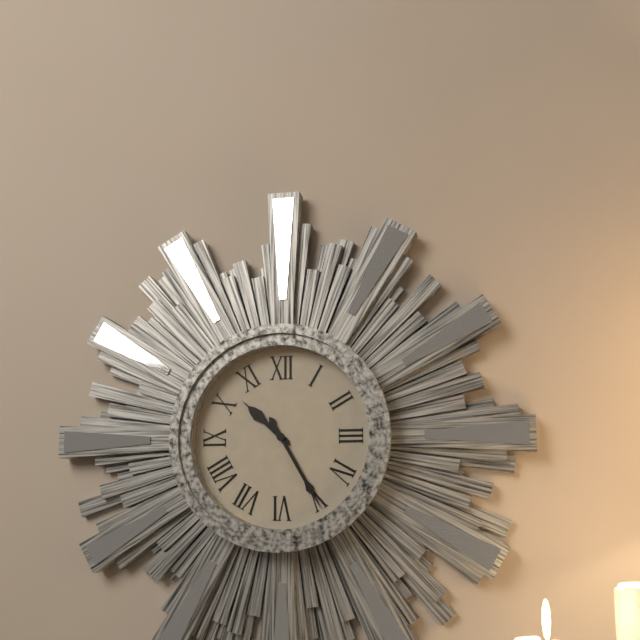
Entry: 10 h 25 min
